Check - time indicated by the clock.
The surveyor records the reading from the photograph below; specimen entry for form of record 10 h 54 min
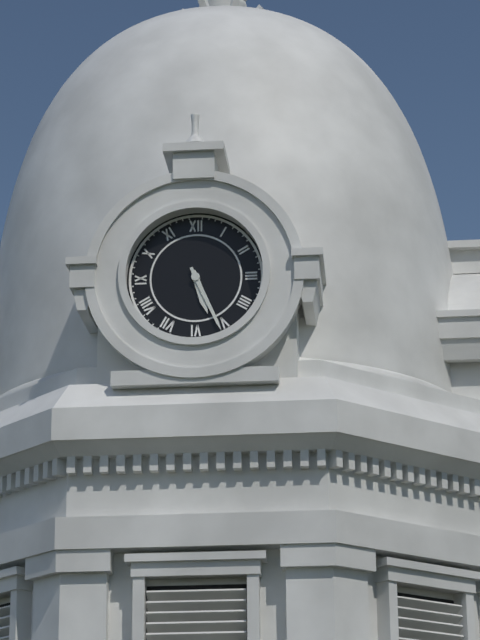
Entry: 5 h 26 min
